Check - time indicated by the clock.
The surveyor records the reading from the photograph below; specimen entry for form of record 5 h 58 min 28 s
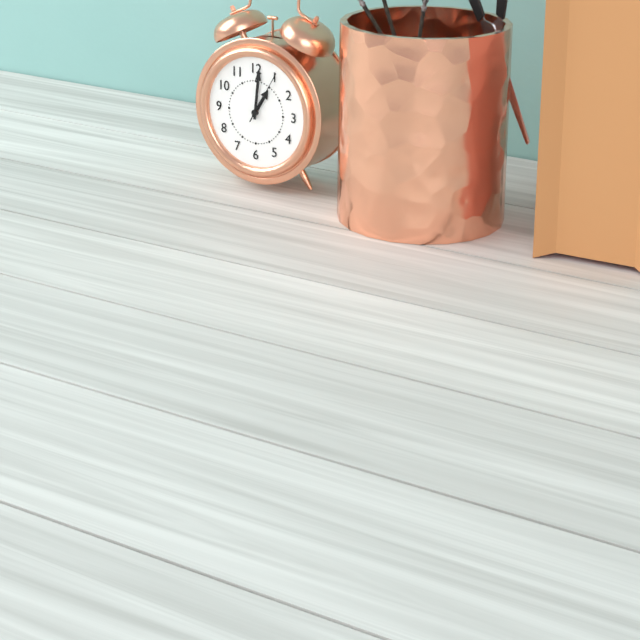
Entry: 1 h 01 min 05 s
